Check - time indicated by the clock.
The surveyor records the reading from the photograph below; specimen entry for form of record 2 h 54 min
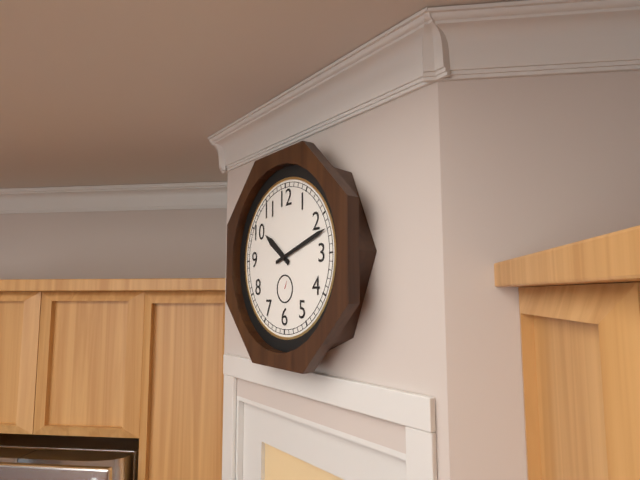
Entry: 10 h 12 min
